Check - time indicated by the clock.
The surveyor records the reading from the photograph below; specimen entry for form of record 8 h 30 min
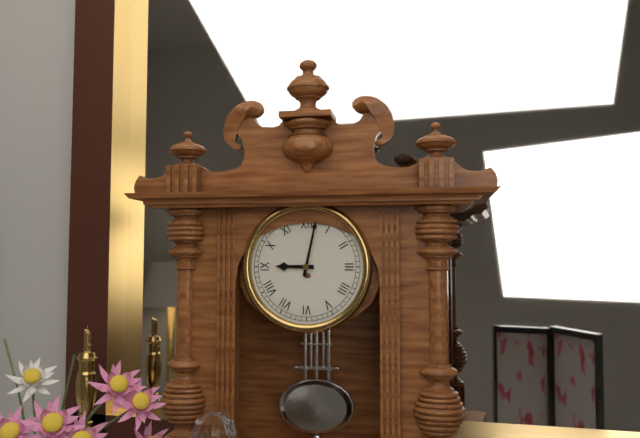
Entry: 9 h 02 min
